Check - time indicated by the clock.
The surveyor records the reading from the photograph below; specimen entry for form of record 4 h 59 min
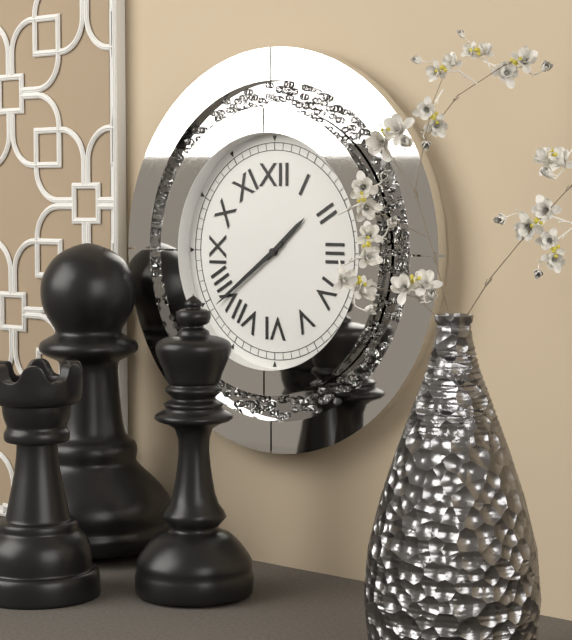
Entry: 1 h 39 min
